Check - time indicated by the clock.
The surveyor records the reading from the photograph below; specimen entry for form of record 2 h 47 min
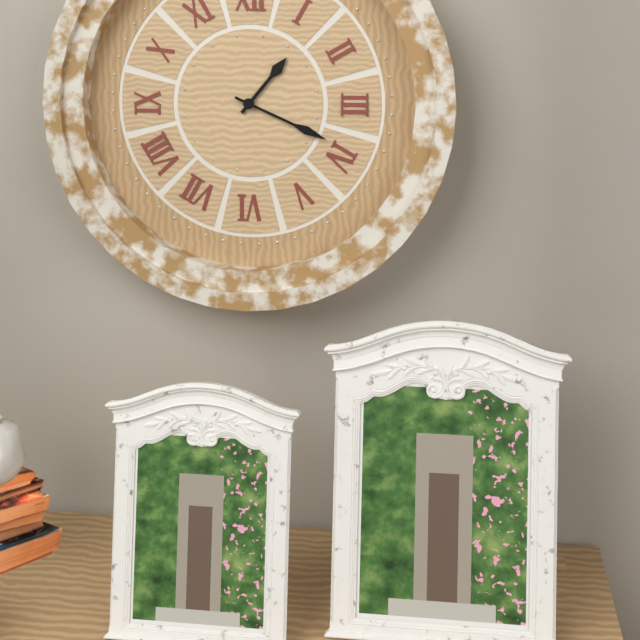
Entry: 1 h 19 min
